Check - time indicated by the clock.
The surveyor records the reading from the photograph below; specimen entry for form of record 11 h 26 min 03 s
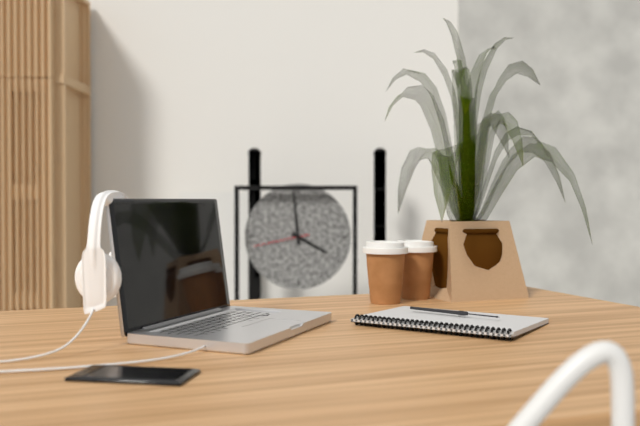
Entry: 3 h 59 min 43 s
